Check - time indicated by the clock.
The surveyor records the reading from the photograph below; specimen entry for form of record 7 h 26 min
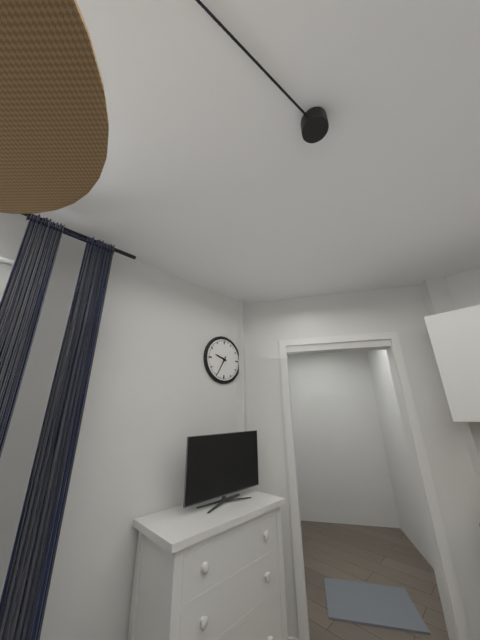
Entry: 9 h 35 min
